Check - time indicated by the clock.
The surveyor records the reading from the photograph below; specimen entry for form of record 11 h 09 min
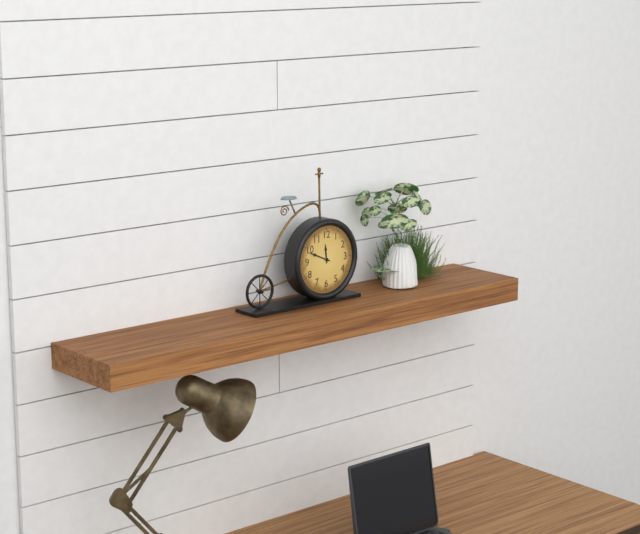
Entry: 11 h 49 min
